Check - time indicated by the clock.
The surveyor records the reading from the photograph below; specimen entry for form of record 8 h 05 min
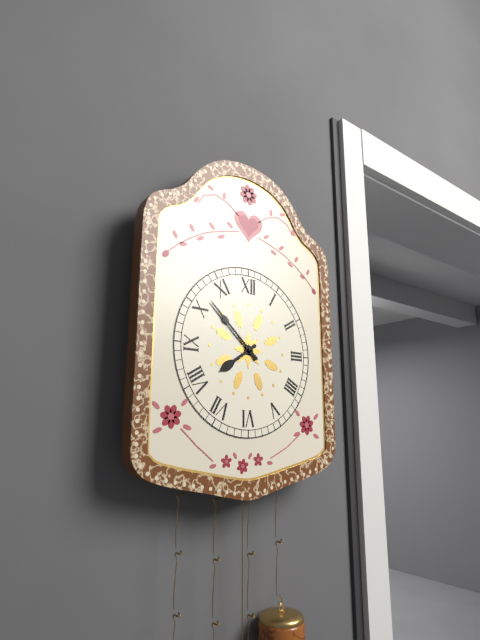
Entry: 7 h 52 min
